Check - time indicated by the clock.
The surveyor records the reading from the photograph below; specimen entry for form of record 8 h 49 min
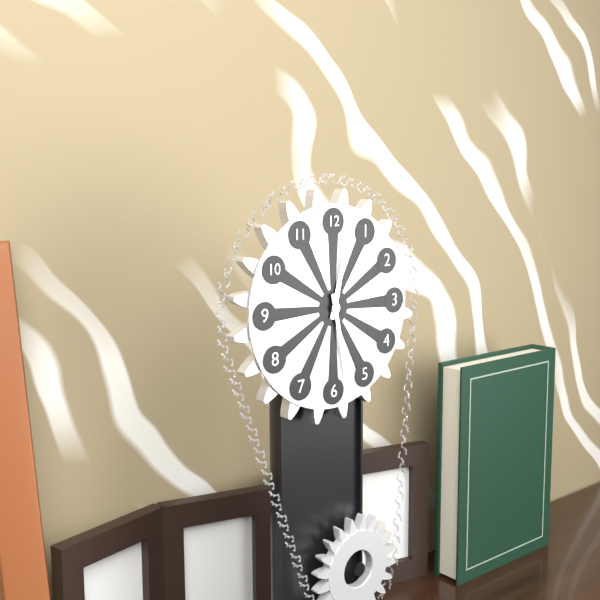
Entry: 12 h 28 min
